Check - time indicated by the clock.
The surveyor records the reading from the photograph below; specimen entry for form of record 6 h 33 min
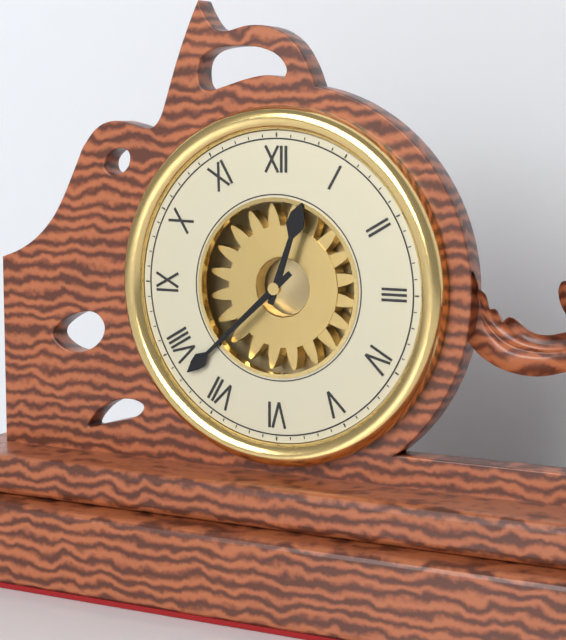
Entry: 12 h 38 min
